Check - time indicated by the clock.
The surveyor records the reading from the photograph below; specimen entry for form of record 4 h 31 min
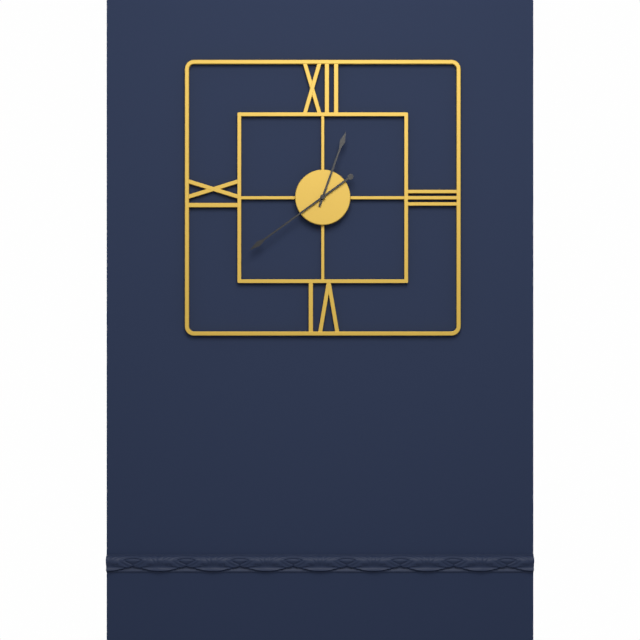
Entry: 12 h 39 min
